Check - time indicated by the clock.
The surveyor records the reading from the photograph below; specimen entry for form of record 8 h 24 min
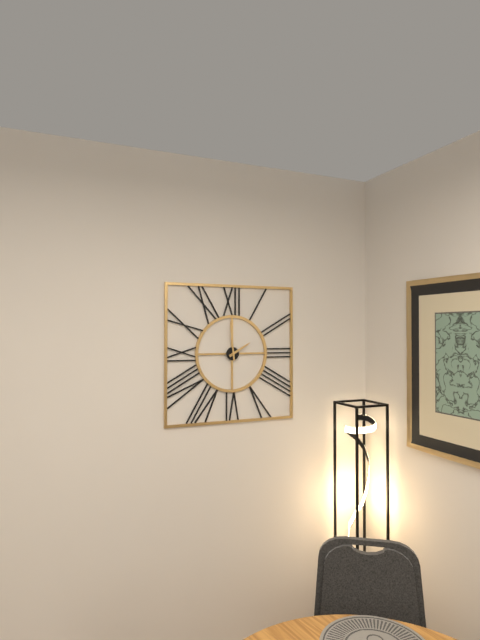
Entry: 1 h 59 min
